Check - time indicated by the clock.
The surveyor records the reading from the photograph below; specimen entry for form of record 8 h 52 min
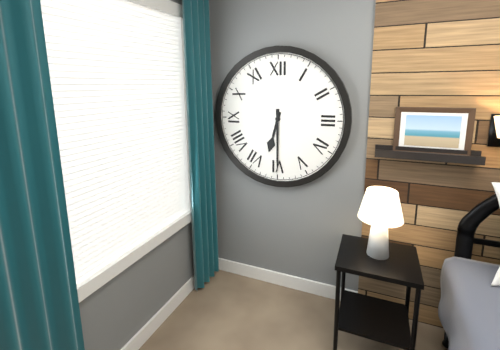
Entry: 6 h 30 min
